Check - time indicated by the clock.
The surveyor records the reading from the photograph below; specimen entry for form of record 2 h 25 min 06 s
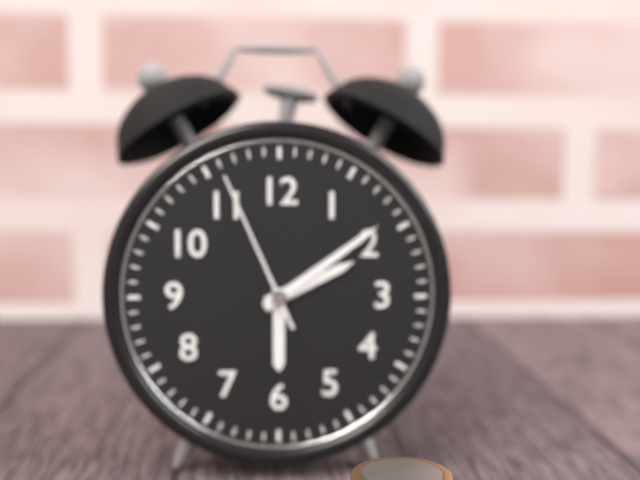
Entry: 2 h 09 min 56 s
